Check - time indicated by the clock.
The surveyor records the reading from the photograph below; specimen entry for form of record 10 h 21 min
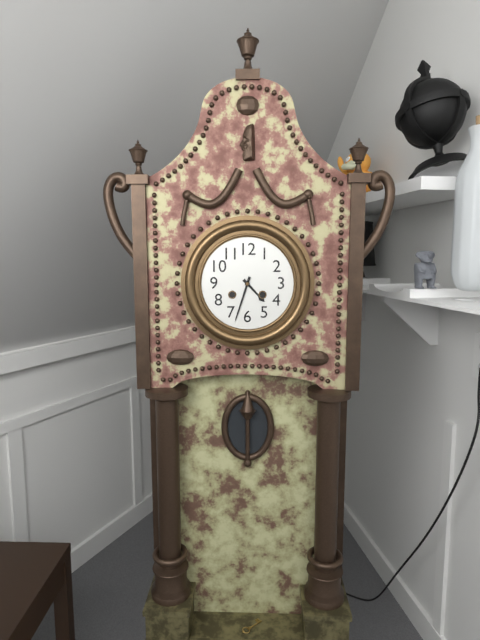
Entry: 4 h 33 min
